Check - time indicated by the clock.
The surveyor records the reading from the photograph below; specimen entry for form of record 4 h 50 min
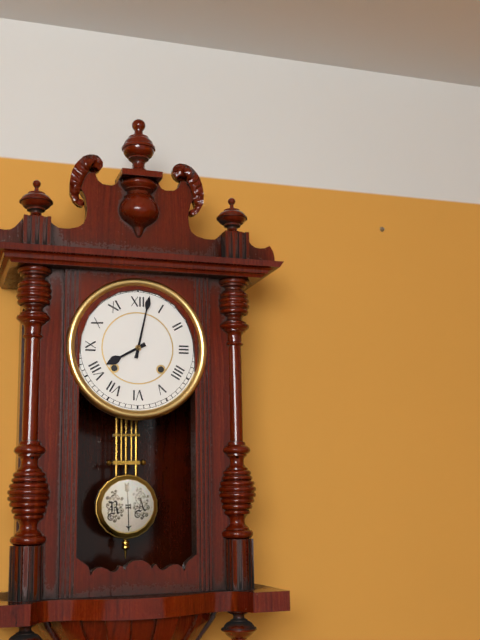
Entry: 8 h 02 min
